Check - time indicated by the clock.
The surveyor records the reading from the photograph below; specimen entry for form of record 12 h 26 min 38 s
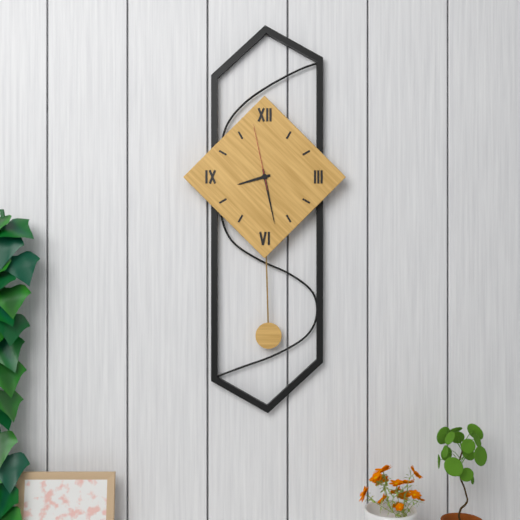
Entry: 8 h 28 min 58 s
